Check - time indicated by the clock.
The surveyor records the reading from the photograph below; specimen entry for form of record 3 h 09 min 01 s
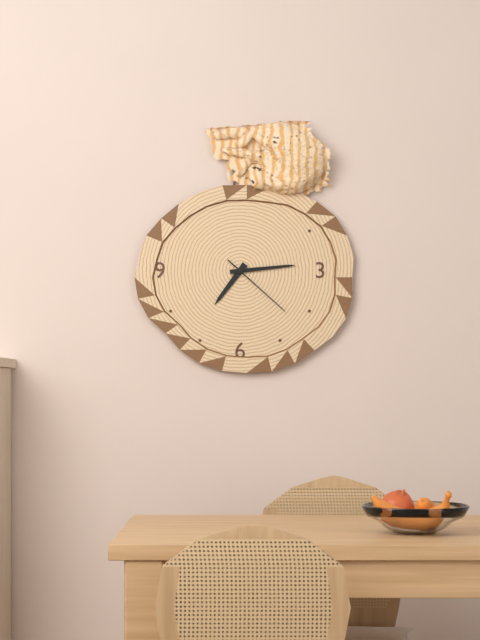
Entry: 7 h 14 min 22 s
